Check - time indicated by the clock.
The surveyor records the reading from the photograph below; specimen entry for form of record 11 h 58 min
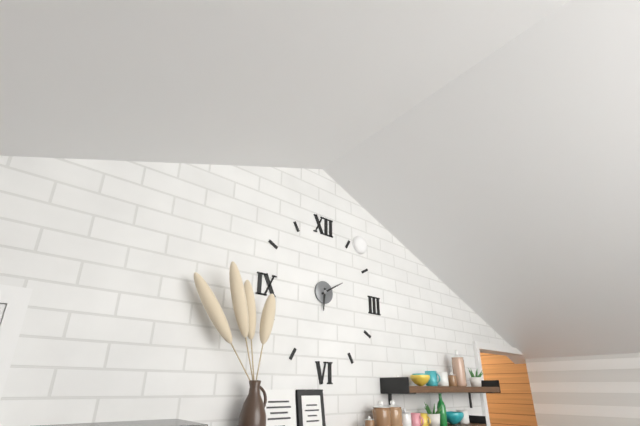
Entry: 6 h 10 min
